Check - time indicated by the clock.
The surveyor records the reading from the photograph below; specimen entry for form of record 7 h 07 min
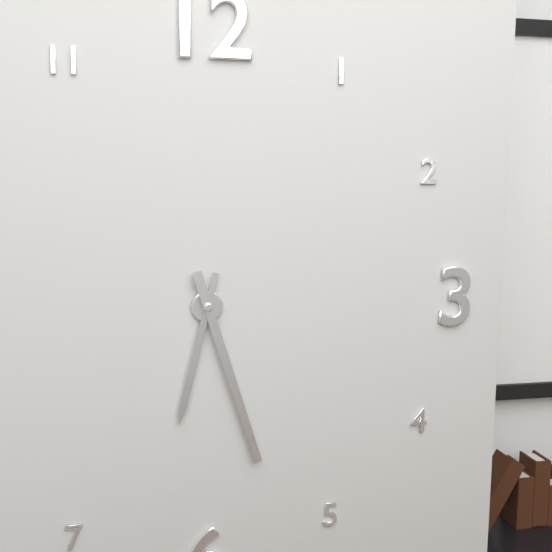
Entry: 6 h 27 min
